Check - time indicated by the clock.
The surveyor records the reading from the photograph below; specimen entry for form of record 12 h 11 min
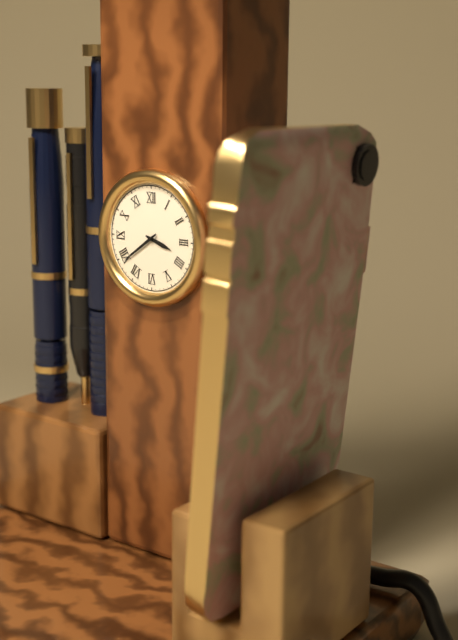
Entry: 3 h 39 min
